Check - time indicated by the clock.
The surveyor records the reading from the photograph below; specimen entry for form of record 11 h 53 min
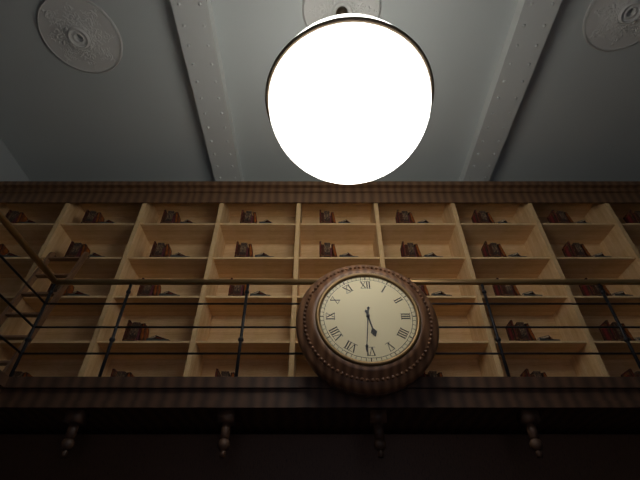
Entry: 5 h 31 min
